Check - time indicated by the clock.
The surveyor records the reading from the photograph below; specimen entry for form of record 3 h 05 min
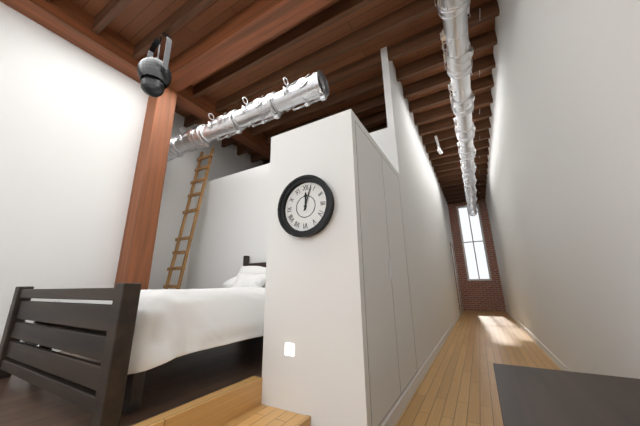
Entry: 12 h 03 min
